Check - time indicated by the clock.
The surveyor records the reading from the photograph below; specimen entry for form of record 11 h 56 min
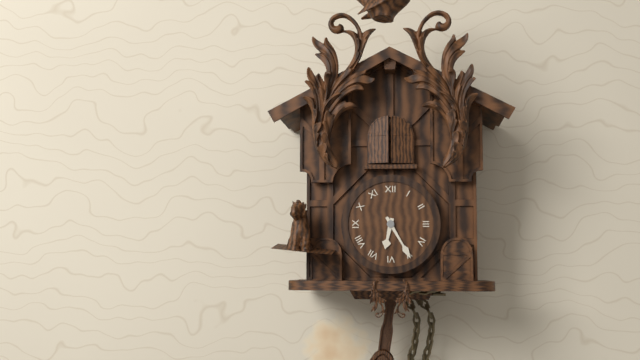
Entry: 6 h 25 min
